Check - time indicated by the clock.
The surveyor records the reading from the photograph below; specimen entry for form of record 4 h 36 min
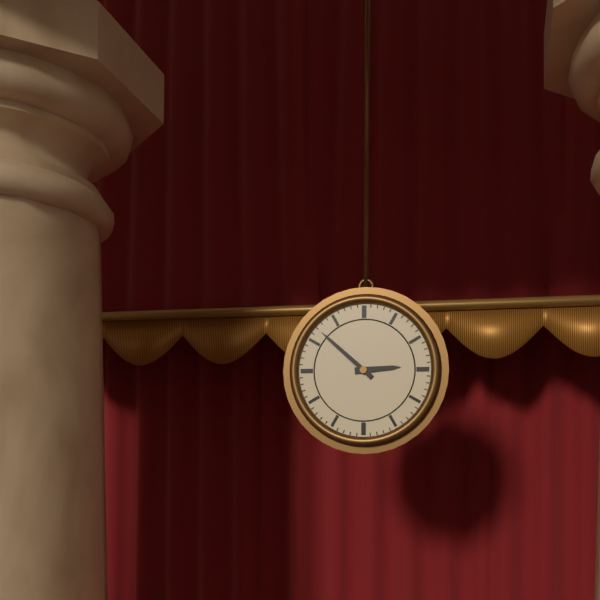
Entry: 2 h 52 min
